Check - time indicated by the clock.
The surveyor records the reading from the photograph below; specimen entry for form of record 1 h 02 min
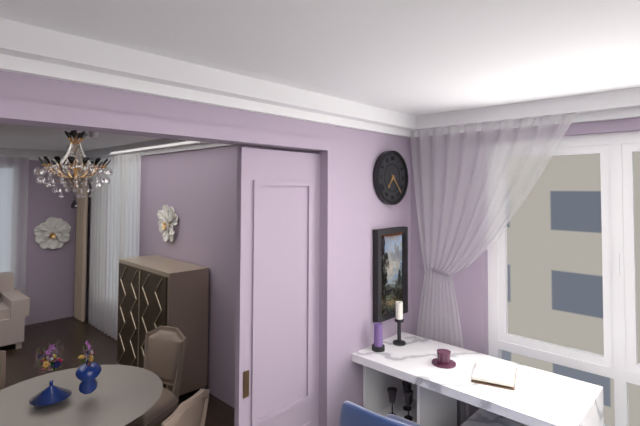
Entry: 7 h 23 min
